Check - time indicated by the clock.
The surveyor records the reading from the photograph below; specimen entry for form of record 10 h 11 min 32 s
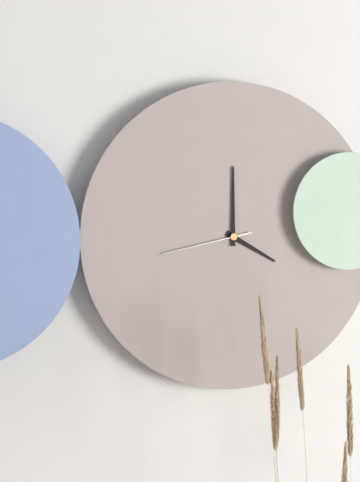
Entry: 4 h 00 min 43 s
